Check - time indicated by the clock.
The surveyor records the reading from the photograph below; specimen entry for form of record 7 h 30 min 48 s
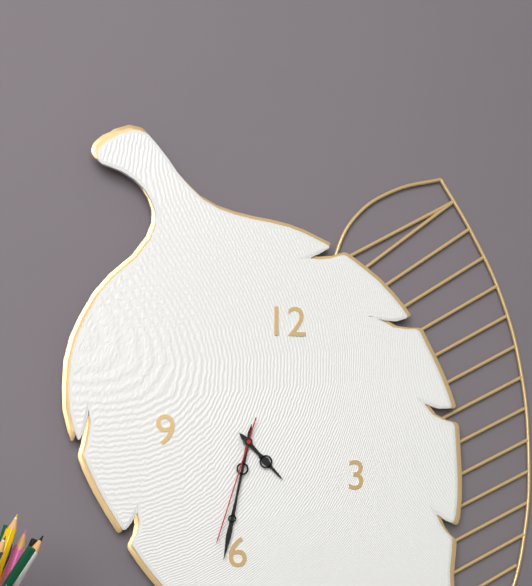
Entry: 4 h 32 min 33 s
